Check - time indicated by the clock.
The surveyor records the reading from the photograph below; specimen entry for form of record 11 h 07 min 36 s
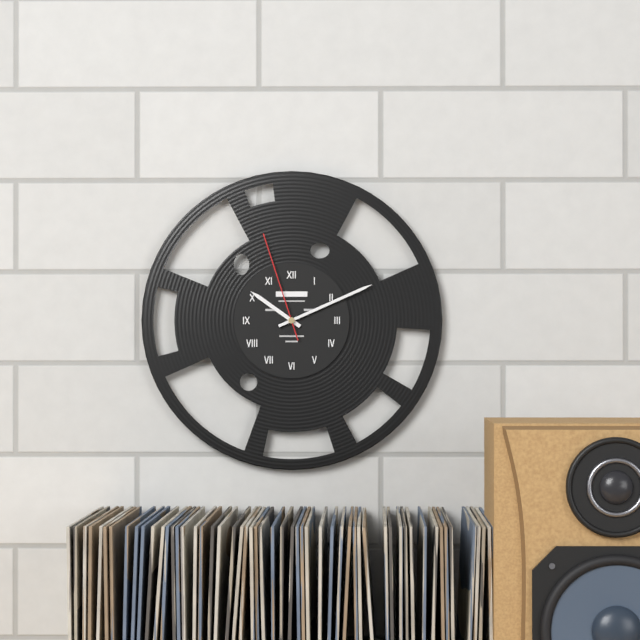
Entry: 10 h 11 min 57 s
